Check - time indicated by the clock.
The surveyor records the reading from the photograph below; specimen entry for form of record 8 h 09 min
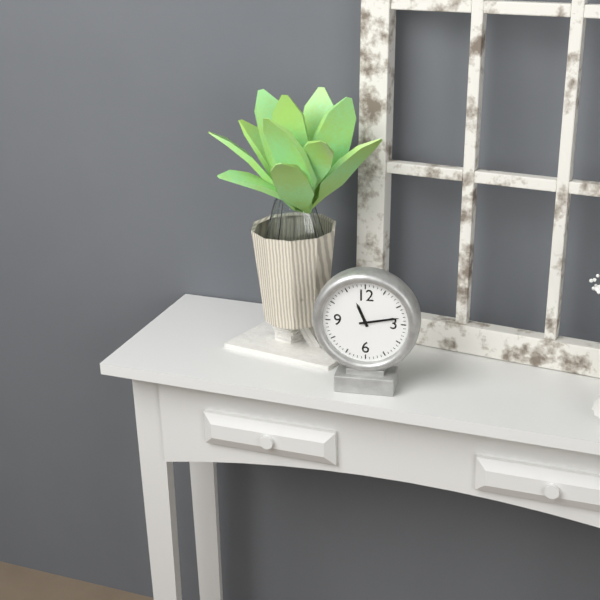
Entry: 11 h 13 min
